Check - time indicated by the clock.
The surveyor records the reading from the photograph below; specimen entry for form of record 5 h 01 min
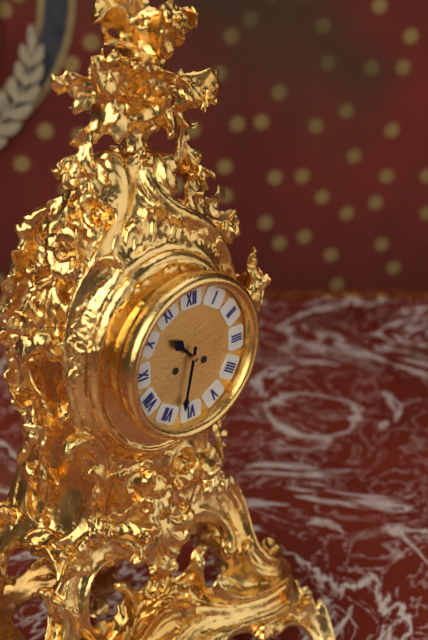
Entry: 10 h 32 min
